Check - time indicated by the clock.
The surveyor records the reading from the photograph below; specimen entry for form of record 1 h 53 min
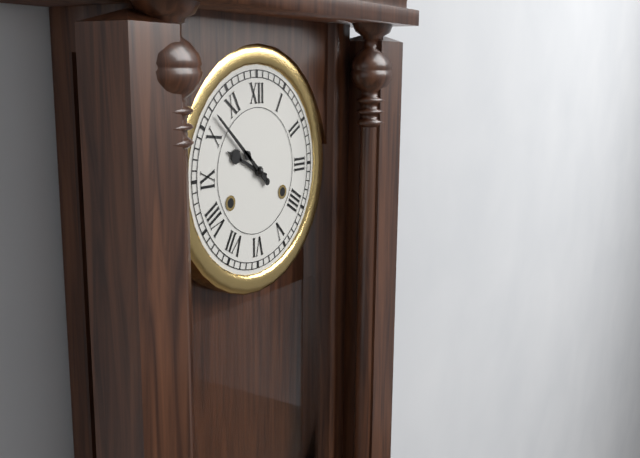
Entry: 9 h 52 min
